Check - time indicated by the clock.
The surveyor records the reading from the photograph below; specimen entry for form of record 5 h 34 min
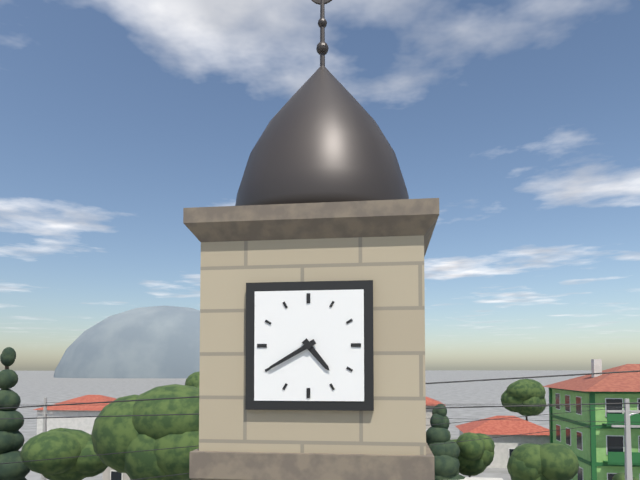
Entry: 4 h 40 min
